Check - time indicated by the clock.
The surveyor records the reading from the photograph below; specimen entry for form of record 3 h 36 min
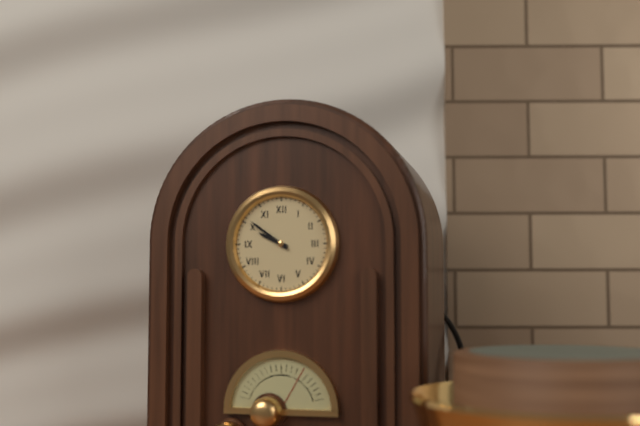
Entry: 9 h 51 min
